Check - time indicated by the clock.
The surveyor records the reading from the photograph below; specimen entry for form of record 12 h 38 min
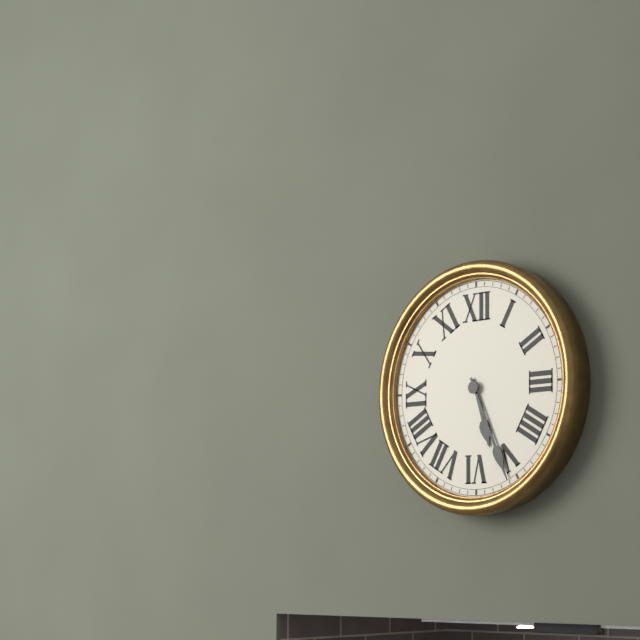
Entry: 5 h 26 min
